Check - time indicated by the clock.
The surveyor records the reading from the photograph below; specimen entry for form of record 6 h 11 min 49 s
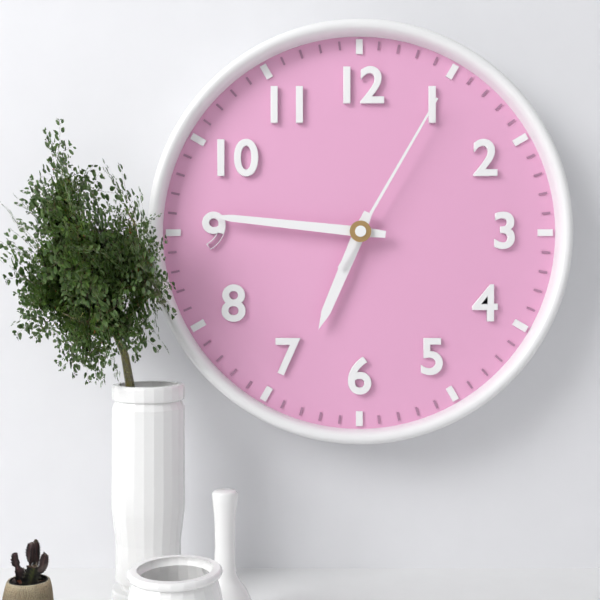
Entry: 6 h 46 min 05 s
